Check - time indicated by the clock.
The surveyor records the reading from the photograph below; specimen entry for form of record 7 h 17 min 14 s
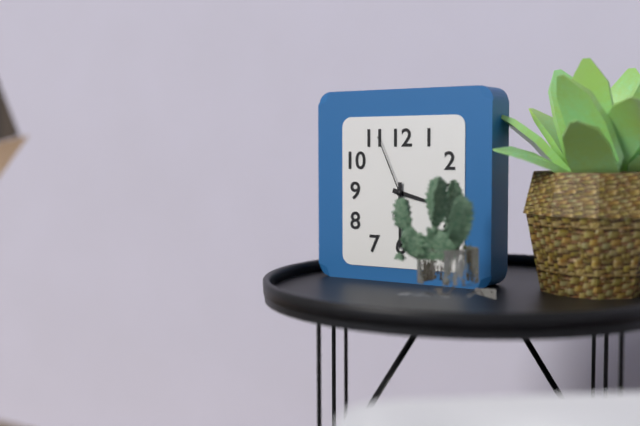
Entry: 3 h 30 min 56 s
